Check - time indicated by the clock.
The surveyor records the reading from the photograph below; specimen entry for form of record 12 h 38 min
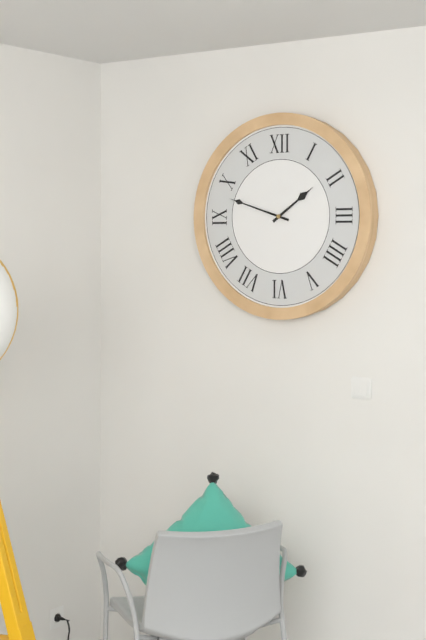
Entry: 1 h 48 min
